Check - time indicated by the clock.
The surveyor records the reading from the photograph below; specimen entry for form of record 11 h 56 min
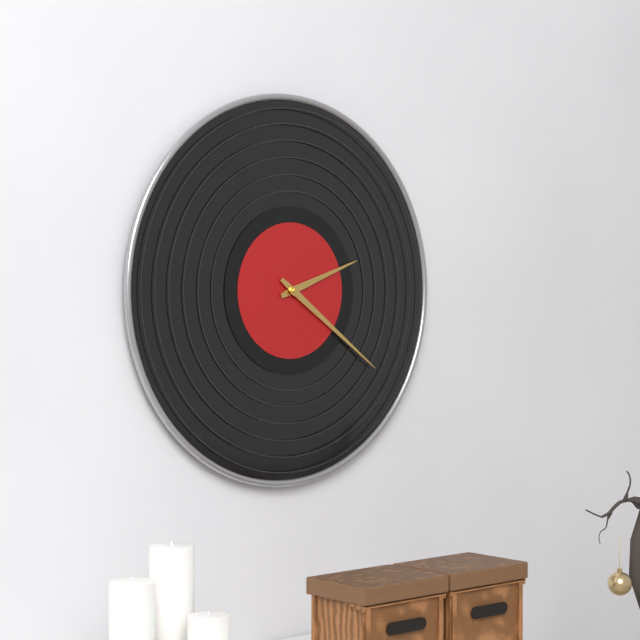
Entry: 2 h 21 min
